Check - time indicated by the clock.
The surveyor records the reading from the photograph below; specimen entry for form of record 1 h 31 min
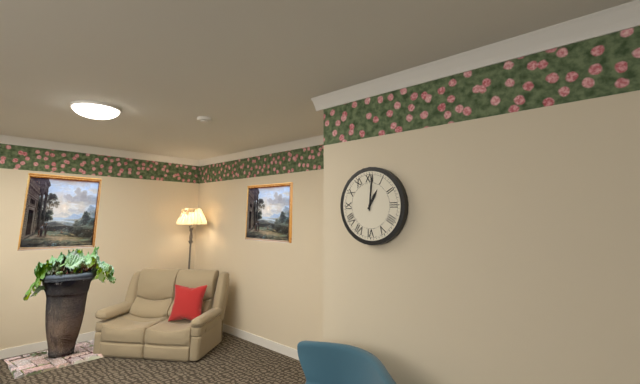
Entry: 1 h 01 min
